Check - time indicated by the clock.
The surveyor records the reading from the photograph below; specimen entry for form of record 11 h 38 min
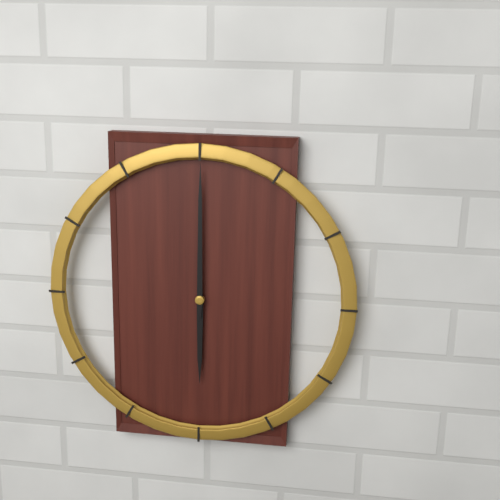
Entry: 6 h 00 min
